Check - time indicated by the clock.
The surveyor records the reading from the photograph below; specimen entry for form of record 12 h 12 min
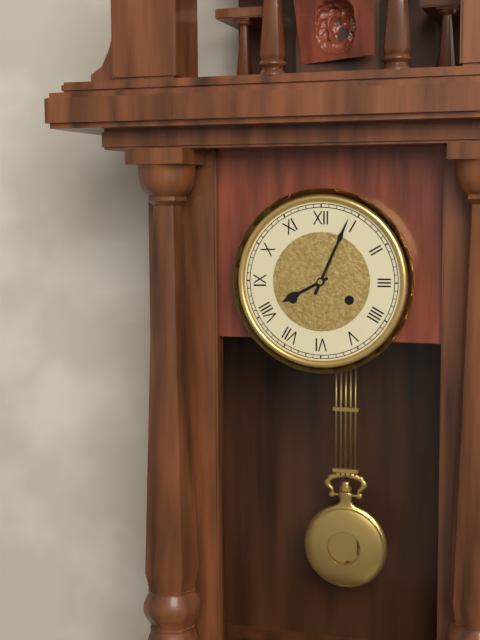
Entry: 8 h 04 min
